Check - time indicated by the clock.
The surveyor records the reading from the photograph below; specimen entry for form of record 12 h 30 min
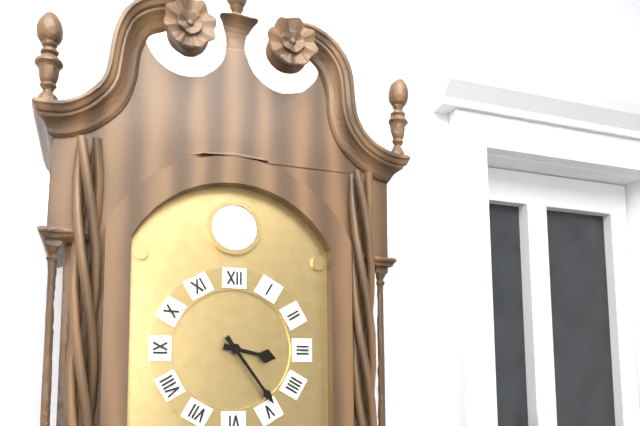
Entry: 3 h 24 min
